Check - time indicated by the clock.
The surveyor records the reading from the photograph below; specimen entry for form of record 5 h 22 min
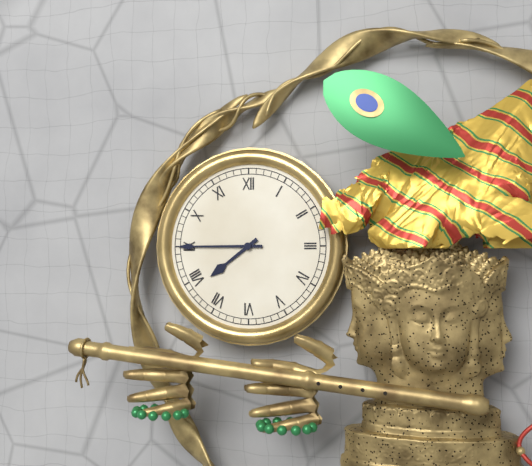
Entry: 7 h 45 min
